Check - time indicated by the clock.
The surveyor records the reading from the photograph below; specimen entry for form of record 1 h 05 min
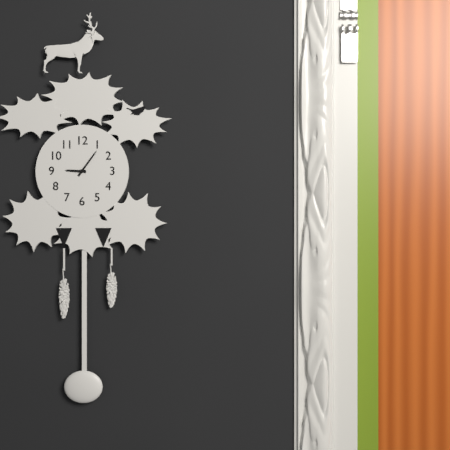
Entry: 9 h 06 min
